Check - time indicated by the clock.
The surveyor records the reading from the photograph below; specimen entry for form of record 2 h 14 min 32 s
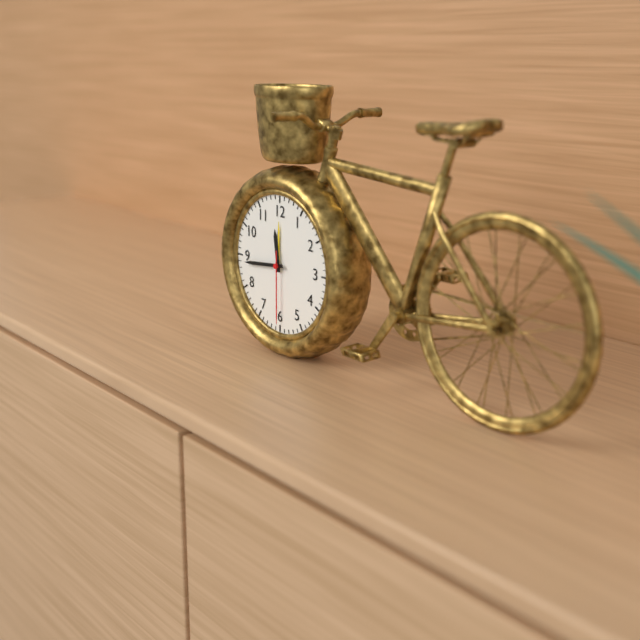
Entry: 11 h 44 min 30 s
